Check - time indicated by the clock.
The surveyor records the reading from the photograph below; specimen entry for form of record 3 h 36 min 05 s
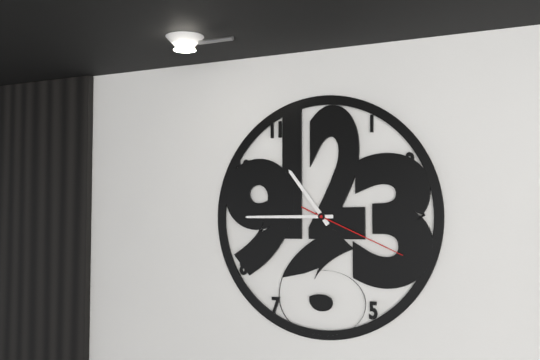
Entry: 10 h 45 min 19 s
